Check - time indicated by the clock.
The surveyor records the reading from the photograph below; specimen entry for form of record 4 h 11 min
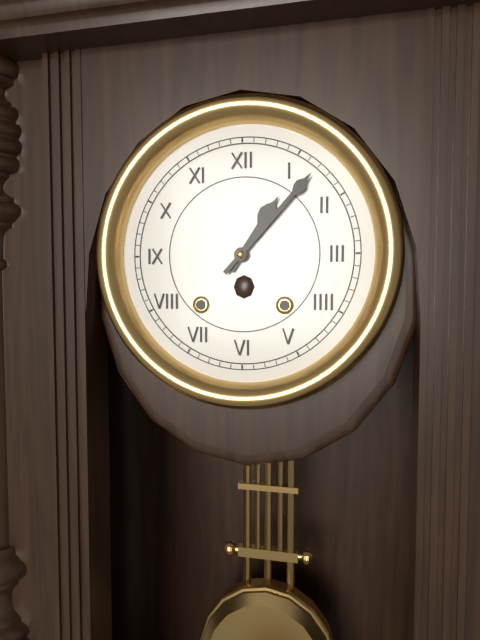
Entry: 1 h 07 min
